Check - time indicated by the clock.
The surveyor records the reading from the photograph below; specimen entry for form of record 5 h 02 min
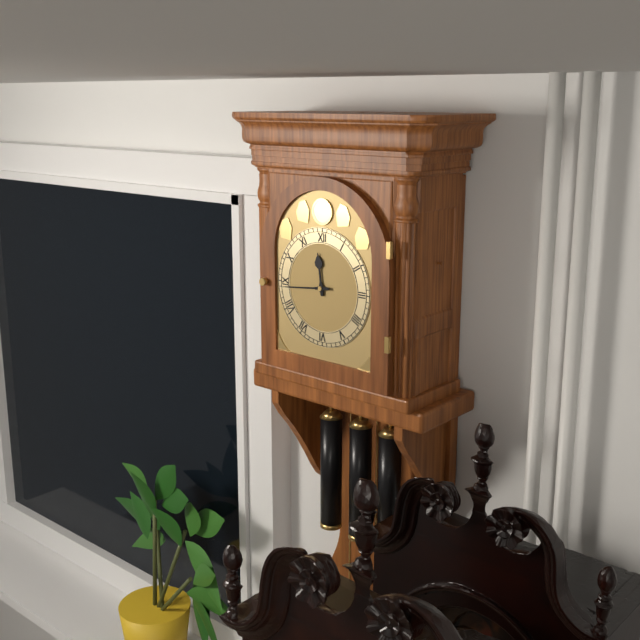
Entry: 11 h 44 min
